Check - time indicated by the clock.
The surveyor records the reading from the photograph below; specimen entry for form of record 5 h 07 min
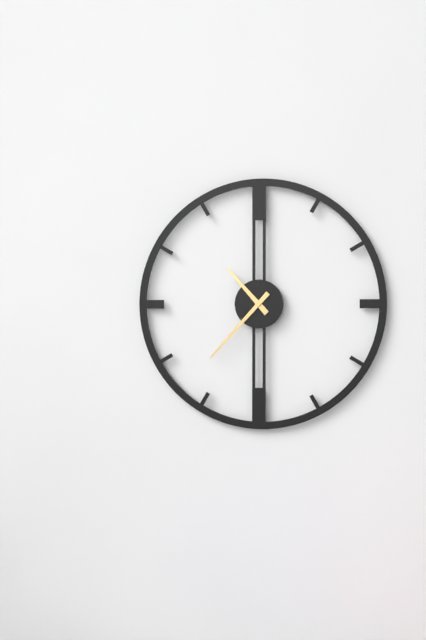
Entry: 10 h 37 min
